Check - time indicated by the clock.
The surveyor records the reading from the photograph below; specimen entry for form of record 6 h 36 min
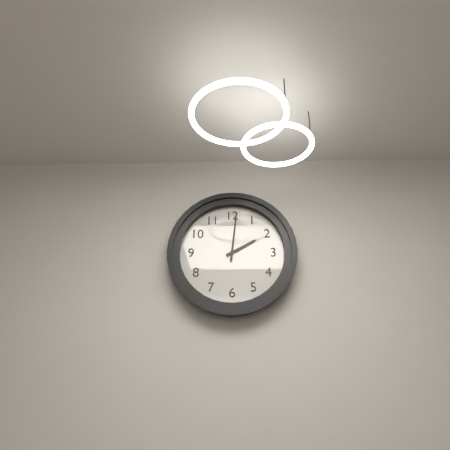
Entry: 2 h 01 min
